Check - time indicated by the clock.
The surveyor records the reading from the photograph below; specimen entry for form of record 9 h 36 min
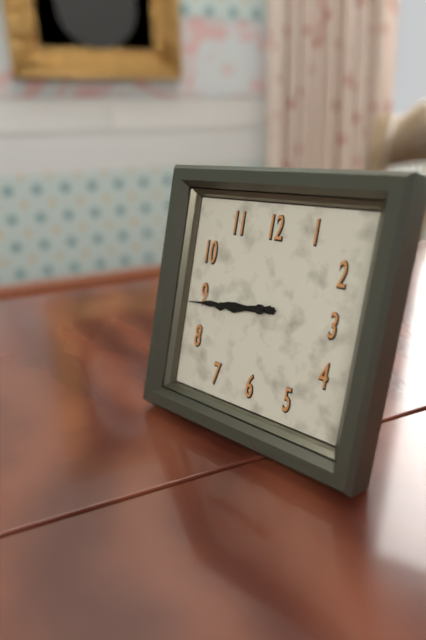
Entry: 8 h 44 min
